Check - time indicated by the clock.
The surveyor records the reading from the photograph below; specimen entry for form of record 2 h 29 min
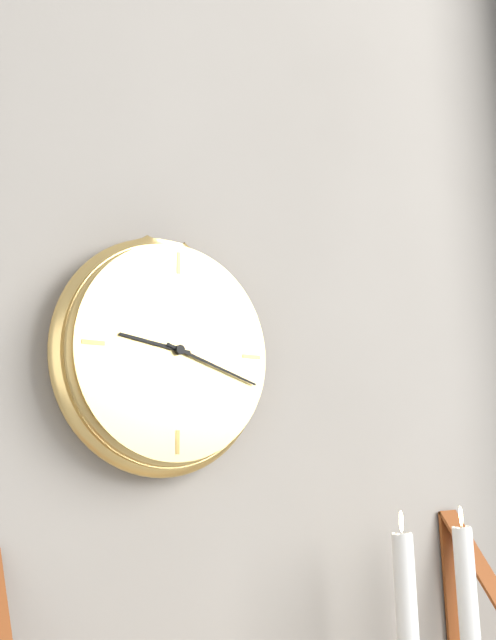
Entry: 9 h 18 min
